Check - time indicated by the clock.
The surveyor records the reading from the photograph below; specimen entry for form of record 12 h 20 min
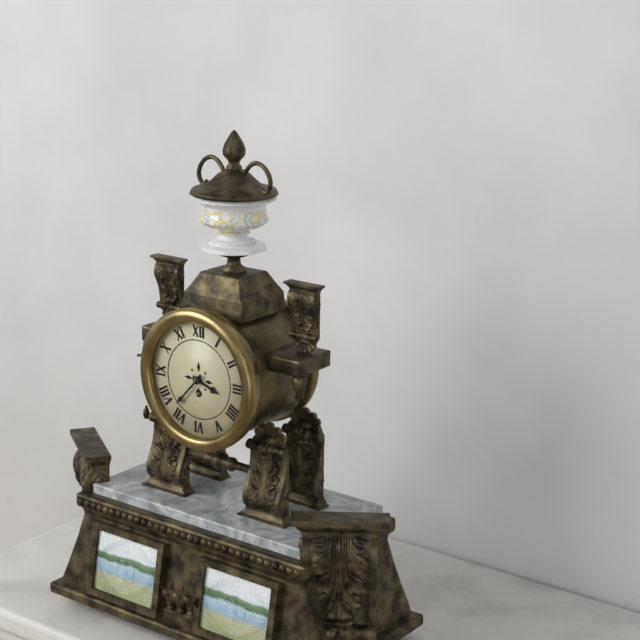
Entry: 3 h 37 min
